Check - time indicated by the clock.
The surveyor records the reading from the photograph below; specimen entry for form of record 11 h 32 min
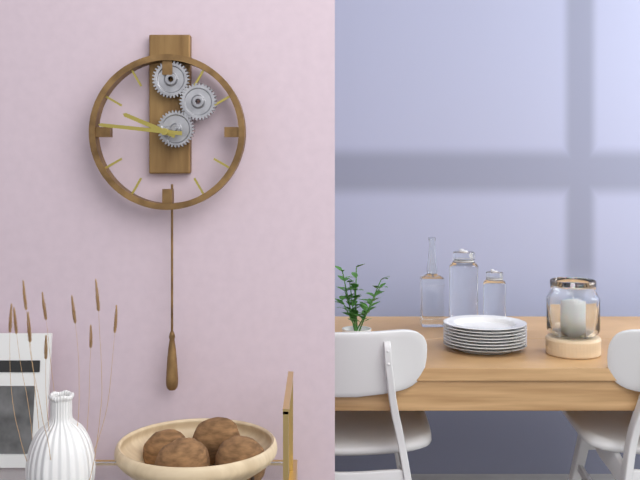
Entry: 9 h 46 min
